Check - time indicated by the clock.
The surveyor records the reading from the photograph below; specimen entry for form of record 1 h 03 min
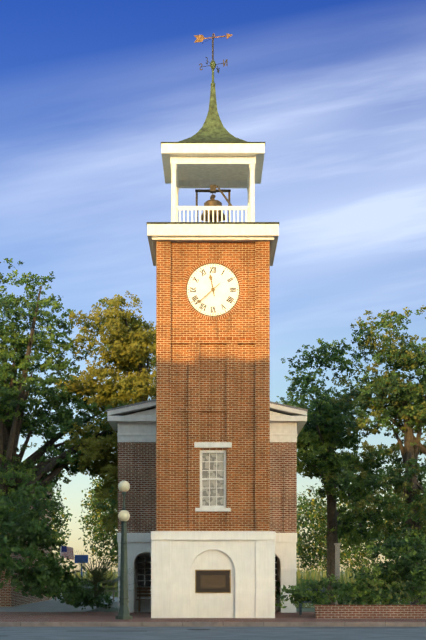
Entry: 11 h 38 min
